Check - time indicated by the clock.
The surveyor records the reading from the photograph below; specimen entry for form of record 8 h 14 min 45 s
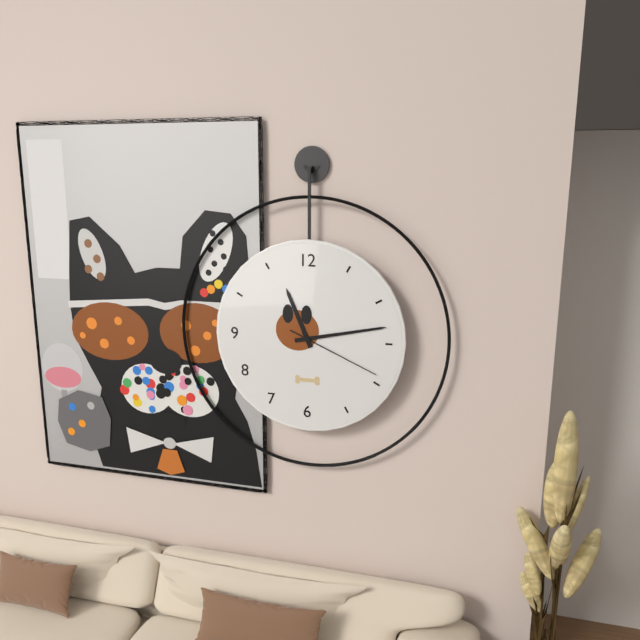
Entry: 11 h 13 min 19 s
